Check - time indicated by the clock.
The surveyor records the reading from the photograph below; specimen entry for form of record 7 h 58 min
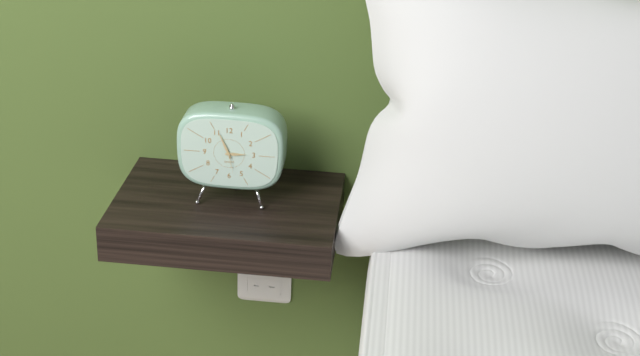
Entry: 2 h 56 min
